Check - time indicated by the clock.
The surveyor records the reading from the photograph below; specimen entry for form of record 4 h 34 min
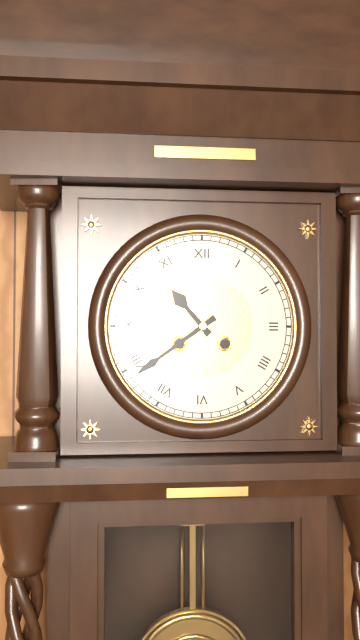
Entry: 10 h 39 min
